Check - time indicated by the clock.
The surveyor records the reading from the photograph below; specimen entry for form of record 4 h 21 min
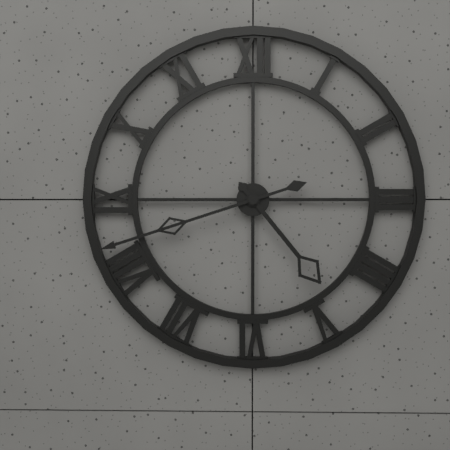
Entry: 4 h 42 min
